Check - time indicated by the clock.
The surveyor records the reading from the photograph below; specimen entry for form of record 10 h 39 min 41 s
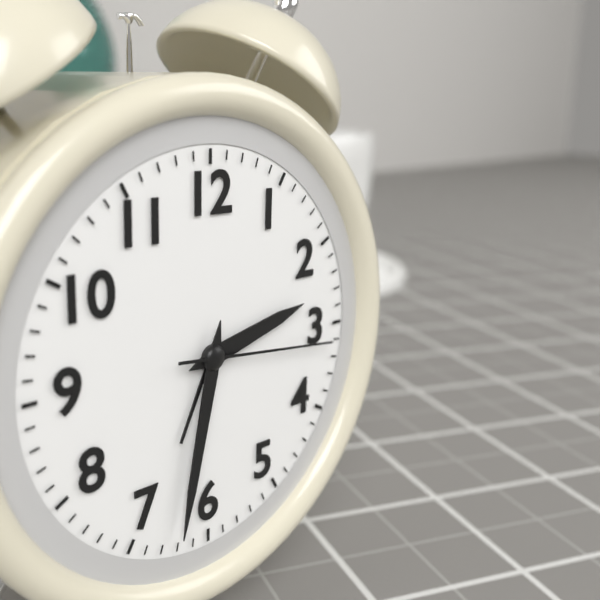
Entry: 2 h 32 min 16 s
